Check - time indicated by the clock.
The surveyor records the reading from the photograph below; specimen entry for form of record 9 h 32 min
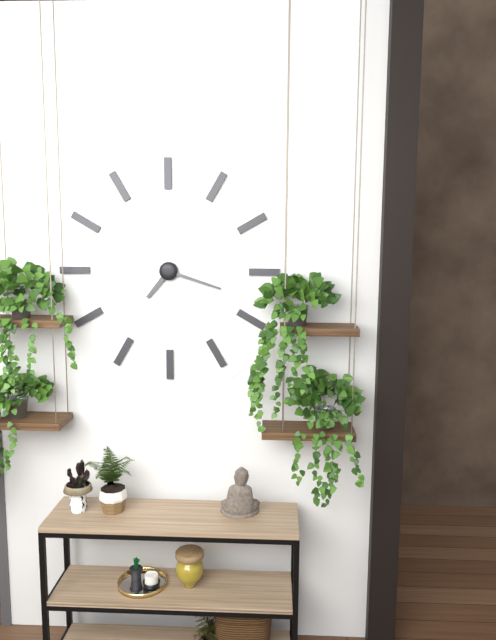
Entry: 7 h 18 min
